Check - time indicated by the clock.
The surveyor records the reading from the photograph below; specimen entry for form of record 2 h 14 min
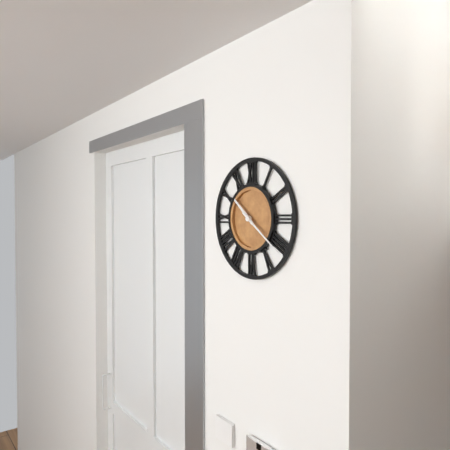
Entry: 10 h 21 min
